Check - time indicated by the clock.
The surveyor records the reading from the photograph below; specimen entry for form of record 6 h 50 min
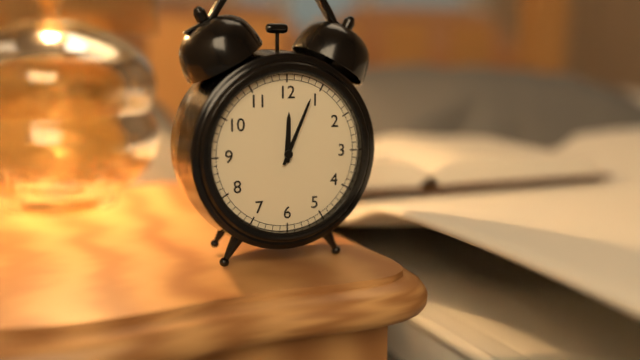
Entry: 12 h 04 min
